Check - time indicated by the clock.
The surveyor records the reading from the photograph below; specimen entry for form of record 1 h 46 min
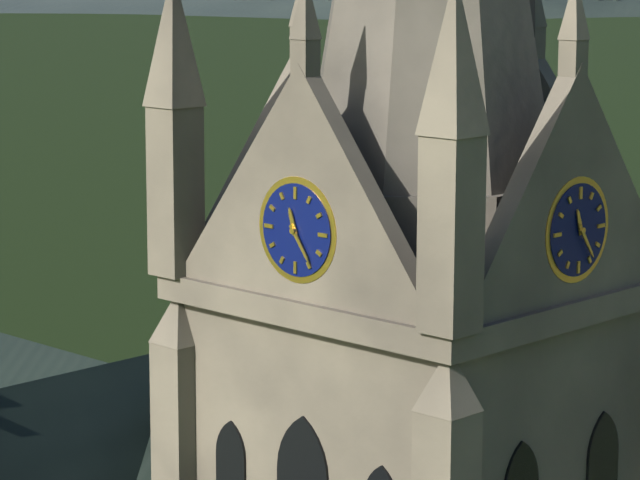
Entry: 11 h 24 min
